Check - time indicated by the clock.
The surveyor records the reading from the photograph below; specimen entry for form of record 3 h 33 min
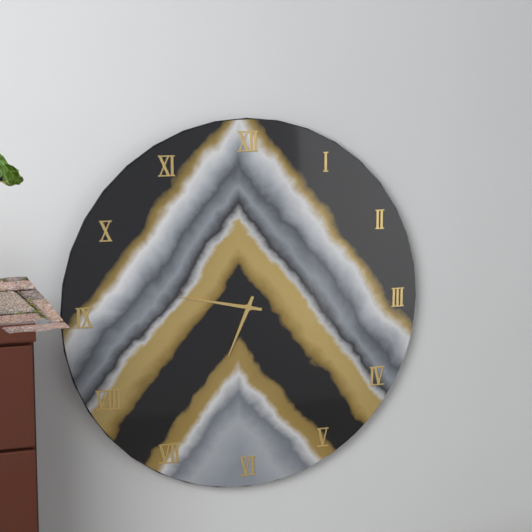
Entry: 6 h 47 min
